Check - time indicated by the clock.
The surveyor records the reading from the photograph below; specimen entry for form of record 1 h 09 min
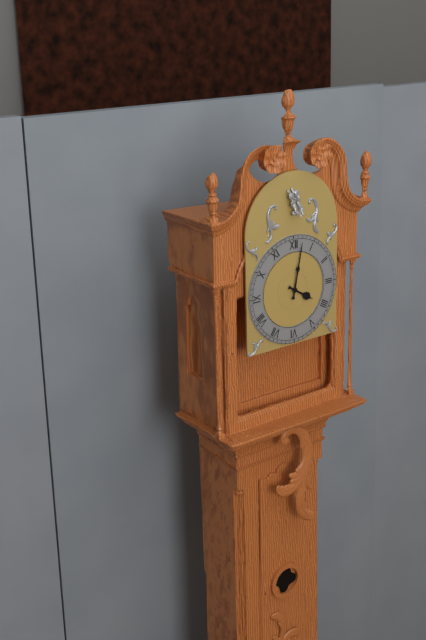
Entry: 4 h 02 min
